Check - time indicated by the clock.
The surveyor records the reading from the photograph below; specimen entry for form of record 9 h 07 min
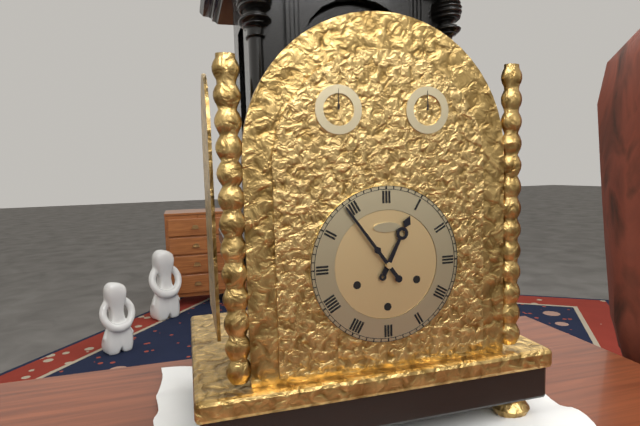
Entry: 12 h 54 min
